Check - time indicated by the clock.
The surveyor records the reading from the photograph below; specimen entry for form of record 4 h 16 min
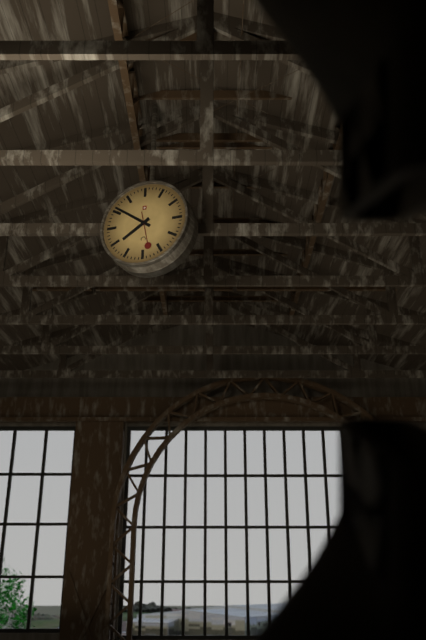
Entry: 7 h 51 min
